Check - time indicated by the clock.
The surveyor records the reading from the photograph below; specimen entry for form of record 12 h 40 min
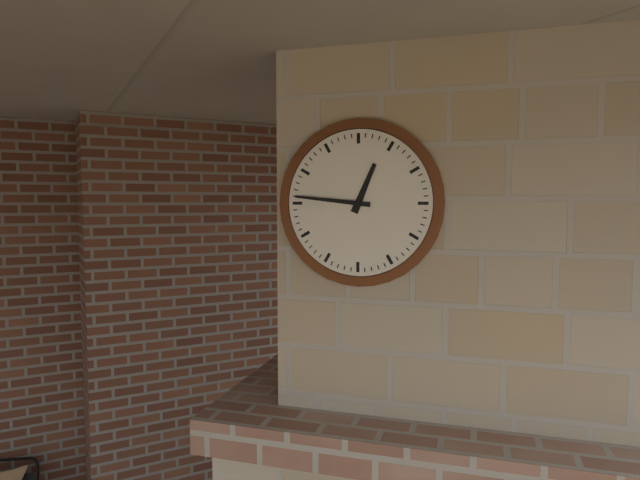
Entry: 12 h 46 min
